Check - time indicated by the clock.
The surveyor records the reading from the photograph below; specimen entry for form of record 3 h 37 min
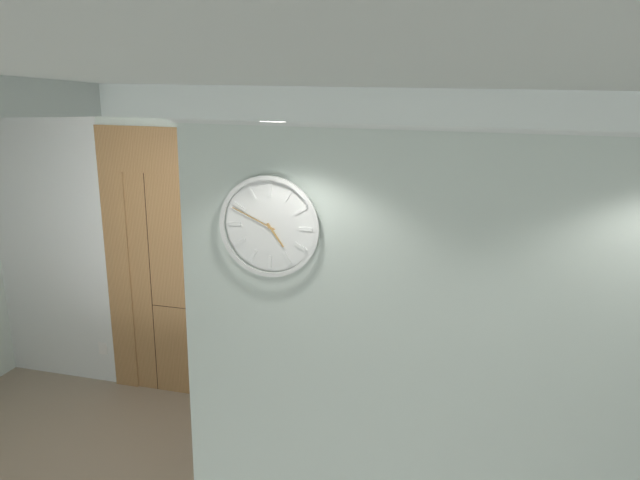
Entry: 4 h 49 min
